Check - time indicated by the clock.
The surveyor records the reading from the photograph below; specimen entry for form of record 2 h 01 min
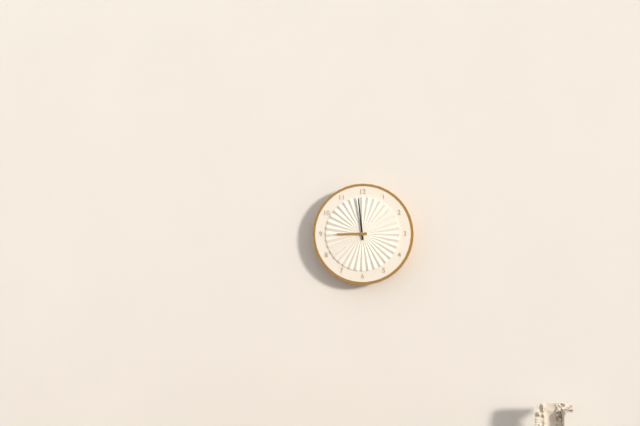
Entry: 8 h 59 min
